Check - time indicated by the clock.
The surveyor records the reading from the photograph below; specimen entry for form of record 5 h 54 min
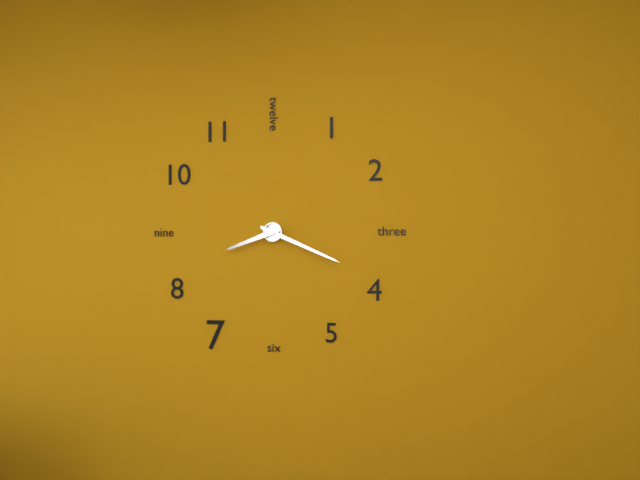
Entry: 8 h 19 min
